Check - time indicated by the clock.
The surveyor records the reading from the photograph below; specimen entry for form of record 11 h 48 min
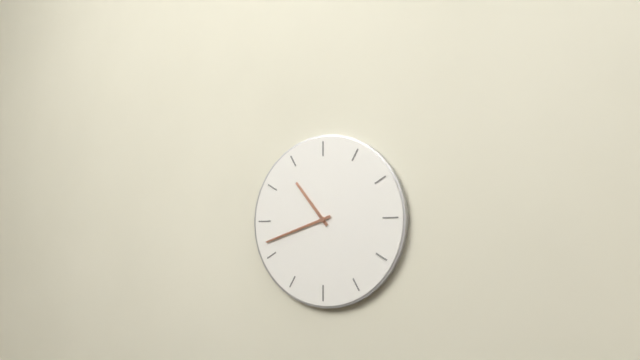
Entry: 10 h 42 min
